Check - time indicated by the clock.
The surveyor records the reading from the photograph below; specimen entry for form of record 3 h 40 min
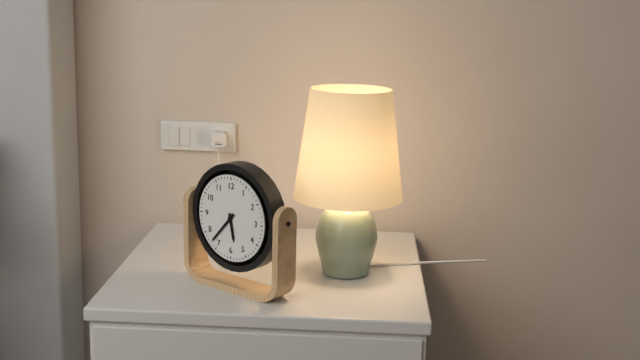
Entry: 5 h 37 min
